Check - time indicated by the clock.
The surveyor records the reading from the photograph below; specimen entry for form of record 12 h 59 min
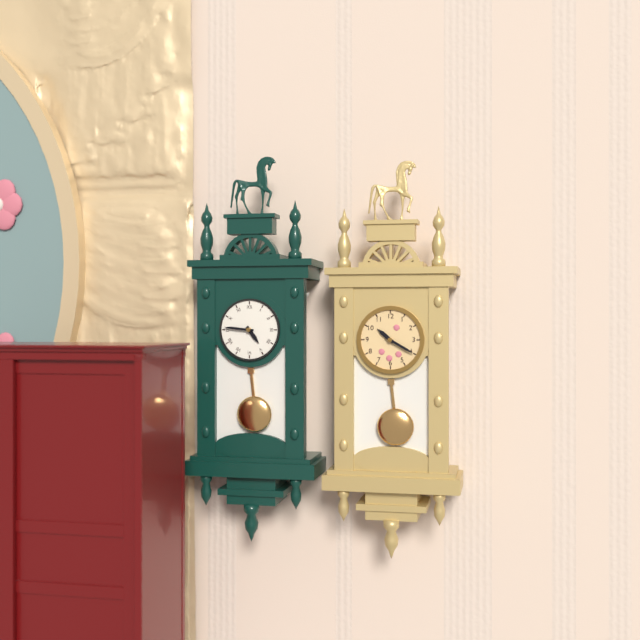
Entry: 4 h 46 min
